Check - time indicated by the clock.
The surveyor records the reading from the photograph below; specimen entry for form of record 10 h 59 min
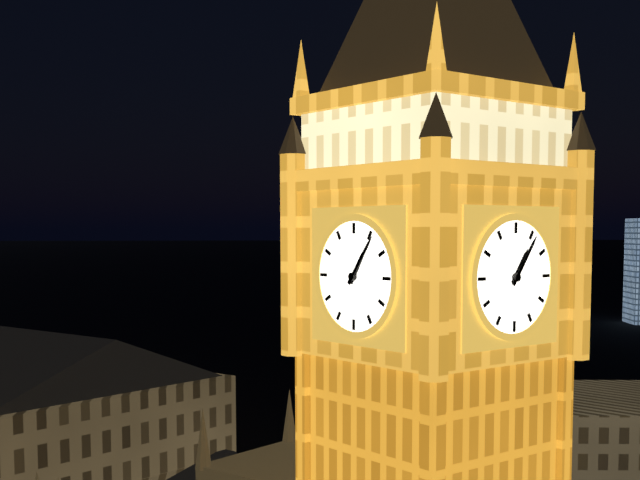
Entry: 1 h 06 min
